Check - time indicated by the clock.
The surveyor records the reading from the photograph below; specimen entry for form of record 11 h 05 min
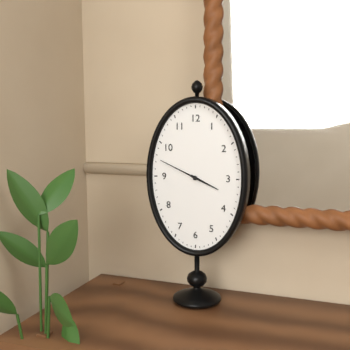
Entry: 3 h 49 min
